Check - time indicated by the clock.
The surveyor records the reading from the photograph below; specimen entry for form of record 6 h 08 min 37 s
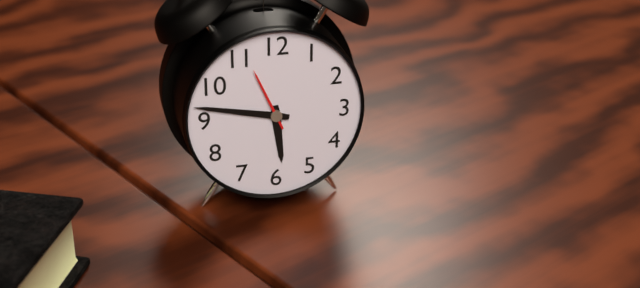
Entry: 5 h 47 min 56 s
